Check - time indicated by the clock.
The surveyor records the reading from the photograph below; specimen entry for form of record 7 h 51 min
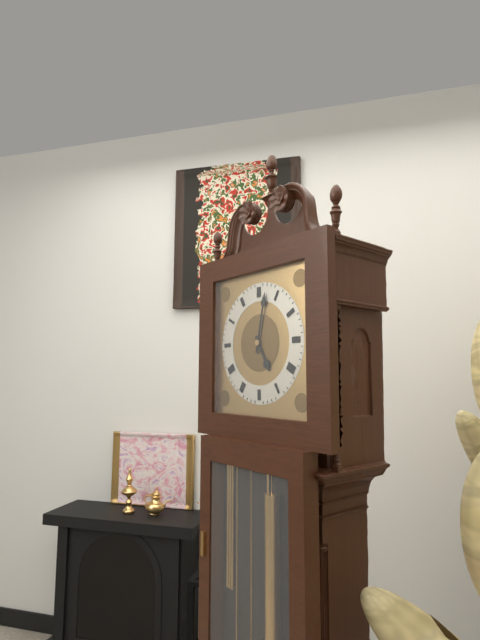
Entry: 5 h 02 min
